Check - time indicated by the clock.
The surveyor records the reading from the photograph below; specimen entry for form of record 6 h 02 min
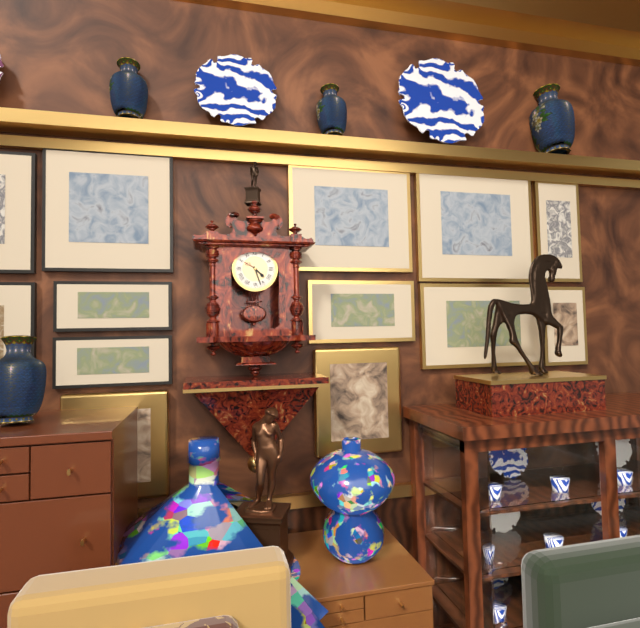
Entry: 4 h 27 min
